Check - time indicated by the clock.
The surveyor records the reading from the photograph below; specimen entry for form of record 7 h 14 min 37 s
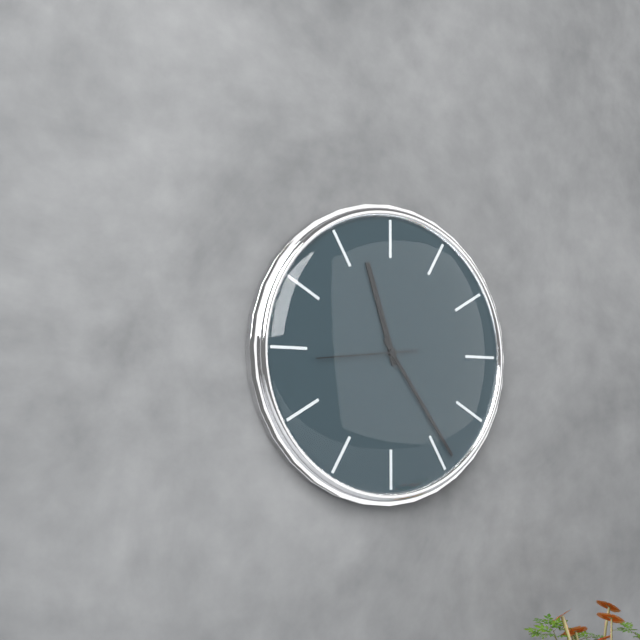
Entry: 11 h 24 min 44 s
